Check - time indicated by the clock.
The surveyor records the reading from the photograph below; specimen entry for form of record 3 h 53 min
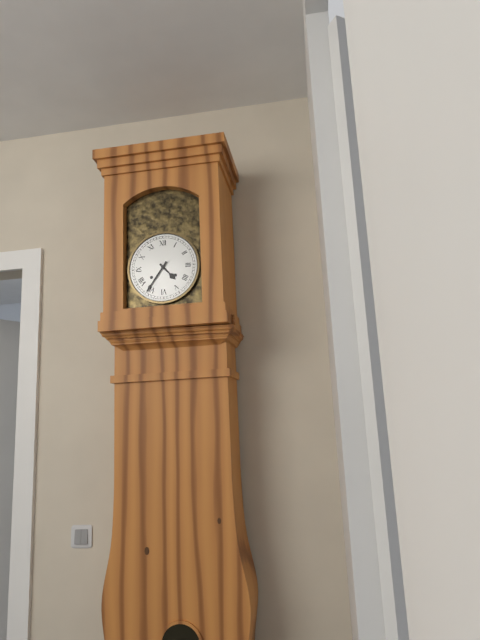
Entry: 4 h 36 min
